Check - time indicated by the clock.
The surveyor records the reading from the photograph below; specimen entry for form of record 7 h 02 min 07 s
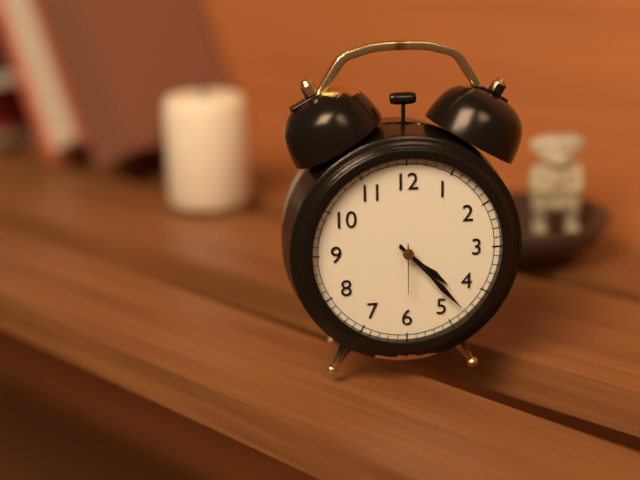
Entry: 4 h 23 min 30 s
